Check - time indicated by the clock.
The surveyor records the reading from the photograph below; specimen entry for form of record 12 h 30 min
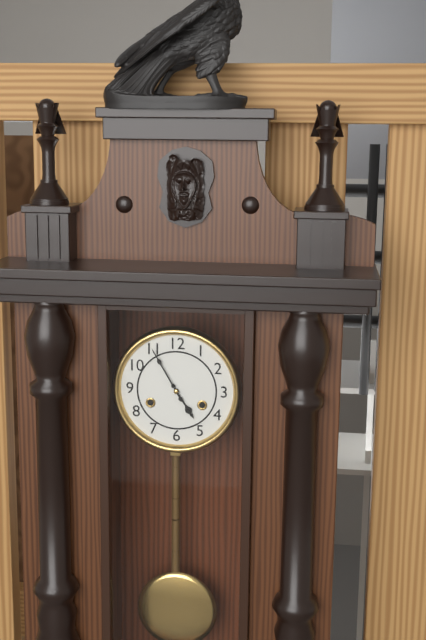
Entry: 4 h 55 min
